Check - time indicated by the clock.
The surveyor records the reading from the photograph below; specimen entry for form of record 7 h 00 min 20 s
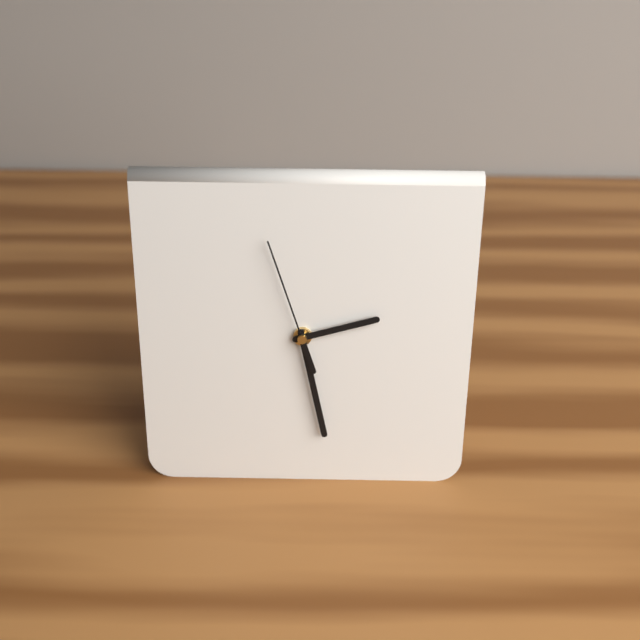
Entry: 2 h 28 min 57 s
